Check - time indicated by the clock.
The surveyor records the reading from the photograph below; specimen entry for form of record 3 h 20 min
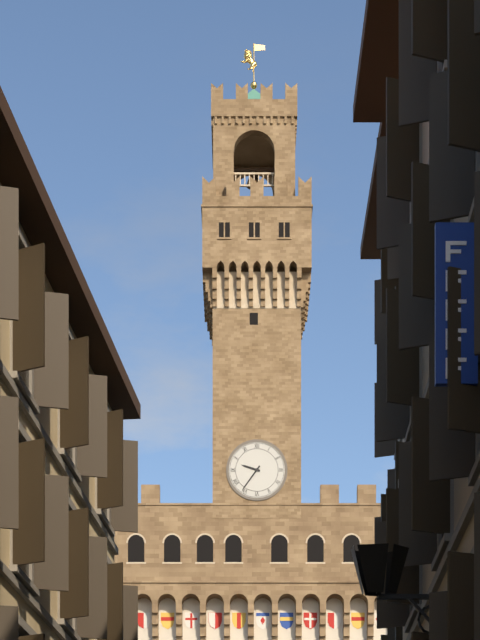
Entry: 9 h 36 min
